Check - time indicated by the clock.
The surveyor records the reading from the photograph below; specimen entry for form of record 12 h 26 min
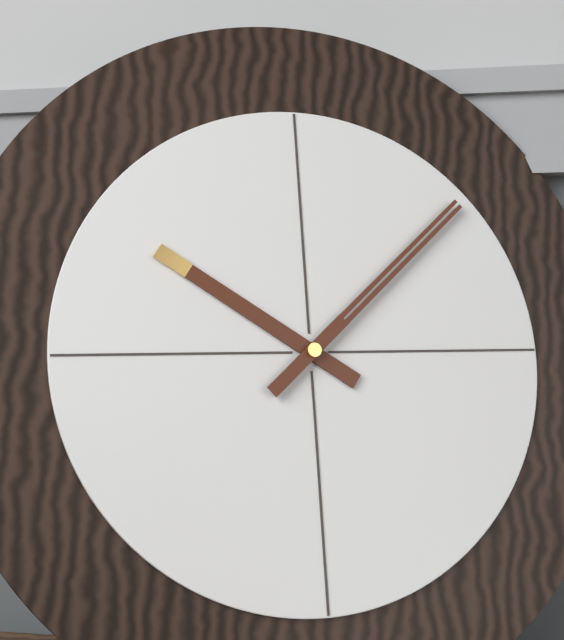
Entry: 10 h 08 min
